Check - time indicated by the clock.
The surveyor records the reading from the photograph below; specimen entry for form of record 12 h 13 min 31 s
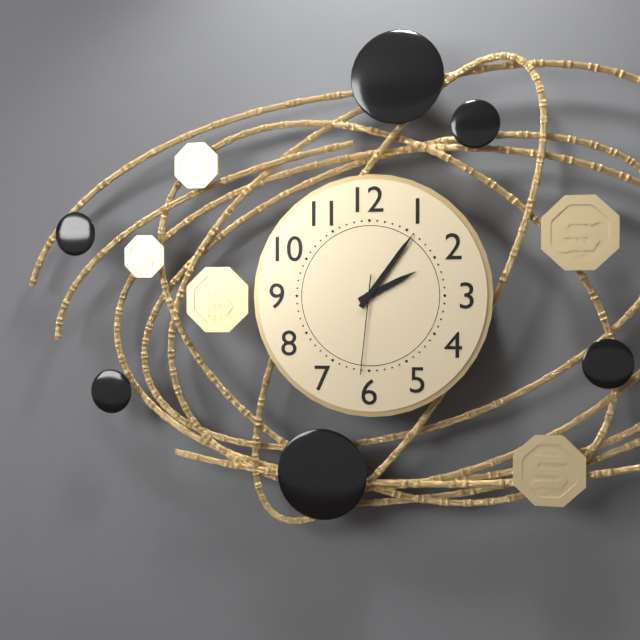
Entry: 2 h 06 min 31 s
